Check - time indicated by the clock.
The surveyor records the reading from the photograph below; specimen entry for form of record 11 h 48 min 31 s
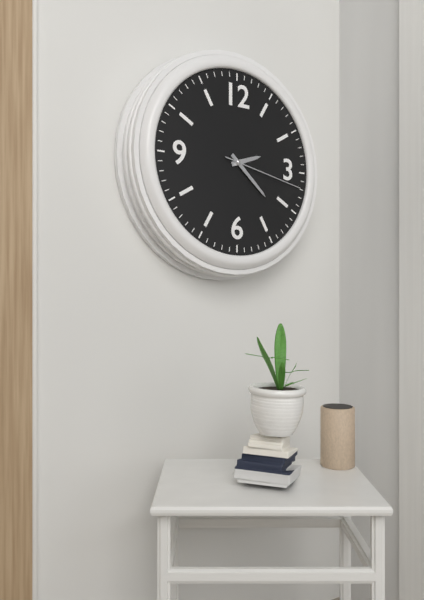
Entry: 2 h 22 min 17 s
